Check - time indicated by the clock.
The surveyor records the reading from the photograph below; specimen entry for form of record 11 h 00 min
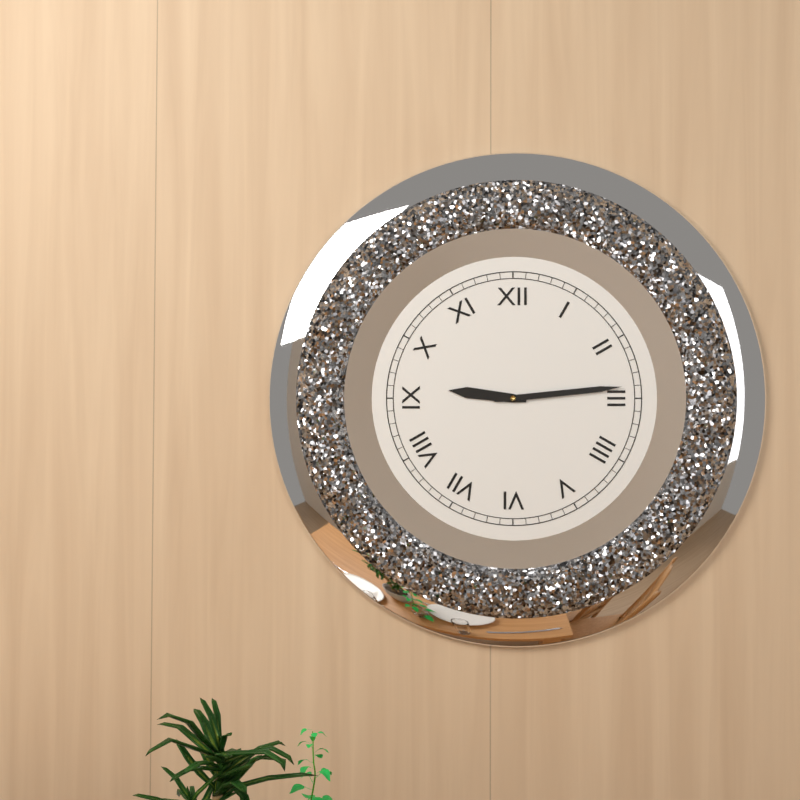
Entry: 9 h 14 min
